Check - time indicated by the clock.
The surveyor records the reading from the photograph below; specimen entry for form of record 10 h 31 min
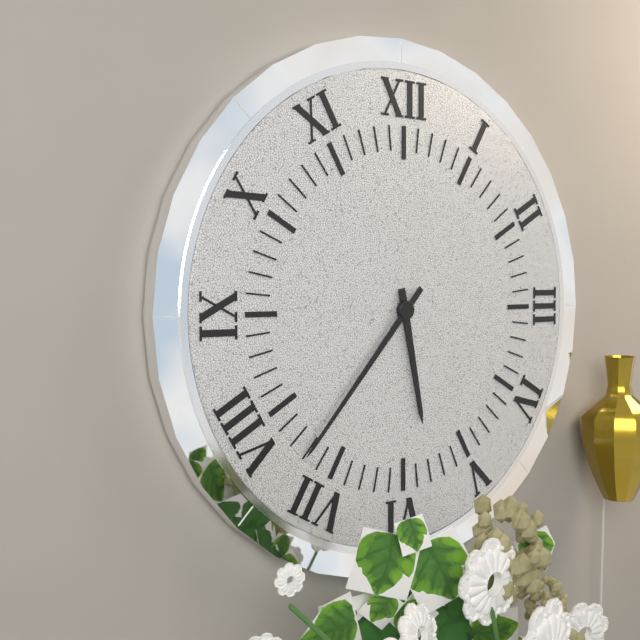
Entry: 5 h 37 min
